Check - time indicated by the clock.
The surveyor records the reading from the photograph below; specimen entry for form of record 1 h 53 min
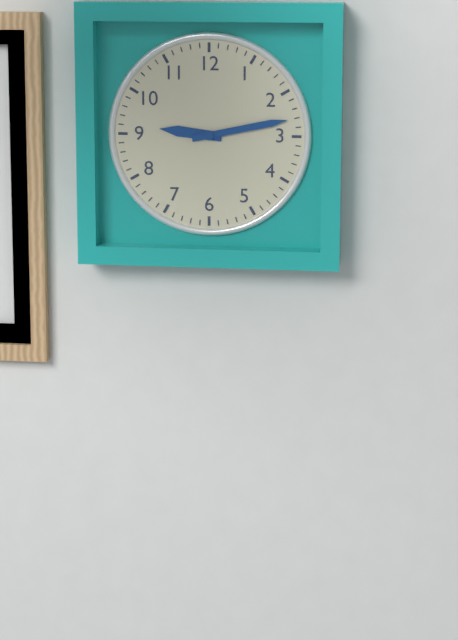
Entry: 9 h 13 min
